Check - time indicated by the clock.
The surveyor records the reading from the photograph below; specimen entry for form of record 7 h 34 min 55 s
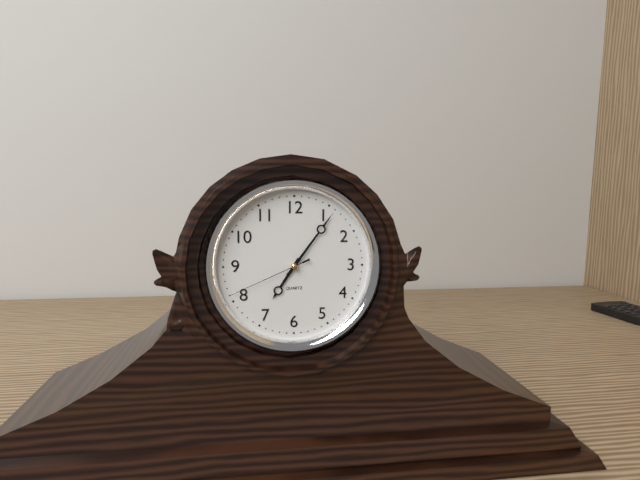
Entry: 7 h 06 min 41 s
